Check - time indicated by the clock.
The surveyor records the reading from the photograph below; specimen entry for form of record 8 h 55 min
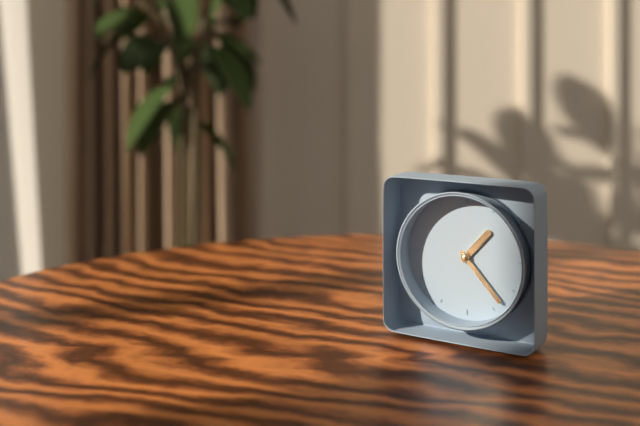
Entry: 1 h 23 min
